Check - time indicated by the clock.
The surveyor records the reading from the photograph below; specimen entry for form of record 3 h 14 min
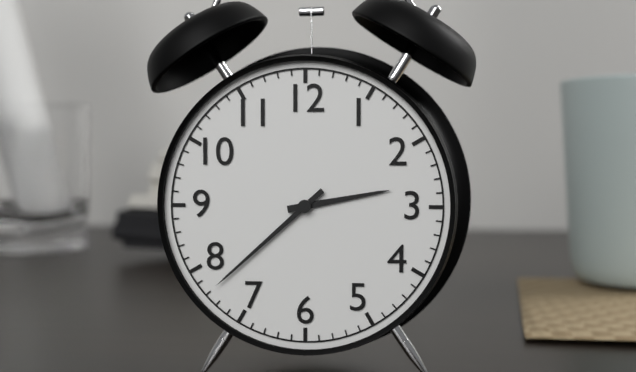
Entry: 2 h 38 min
